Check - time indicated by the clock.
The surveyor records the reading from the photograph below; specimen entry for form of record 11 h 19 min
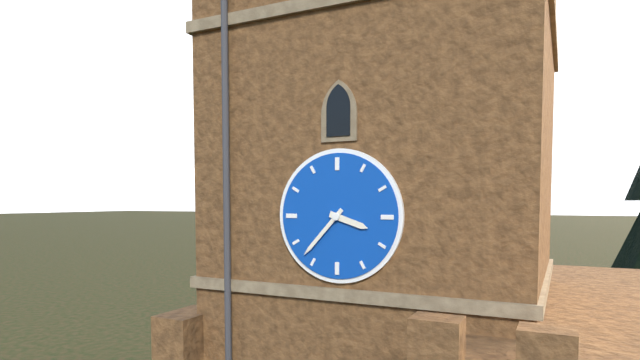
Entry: 3 h 37 min
